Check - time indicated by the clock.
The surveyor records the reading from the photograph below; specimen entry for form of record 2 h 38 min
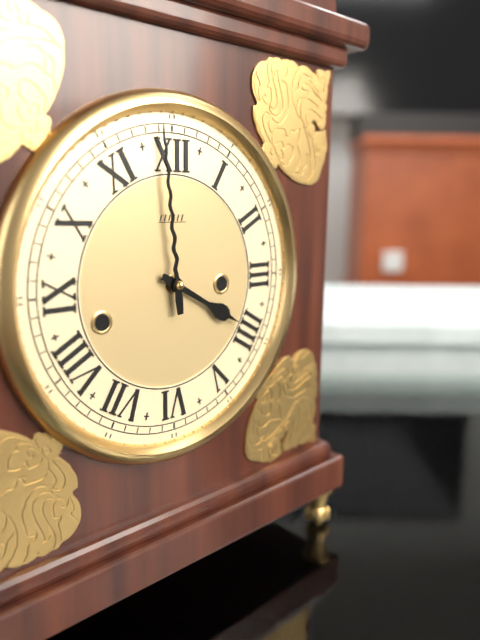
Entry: 3 h 59 min
